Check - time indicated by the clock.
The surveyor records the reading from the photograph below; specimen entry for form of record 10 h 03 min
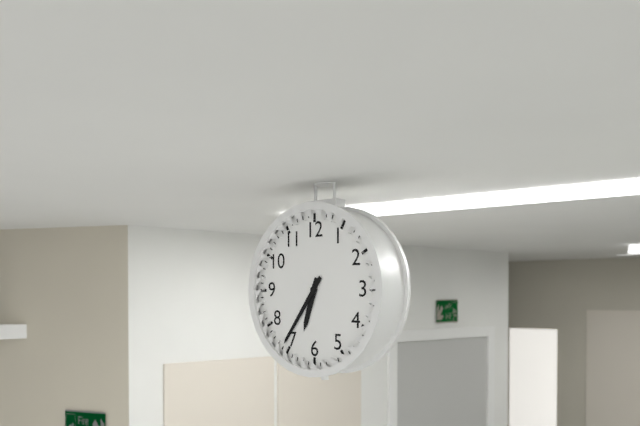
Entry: 6 h 36 min
